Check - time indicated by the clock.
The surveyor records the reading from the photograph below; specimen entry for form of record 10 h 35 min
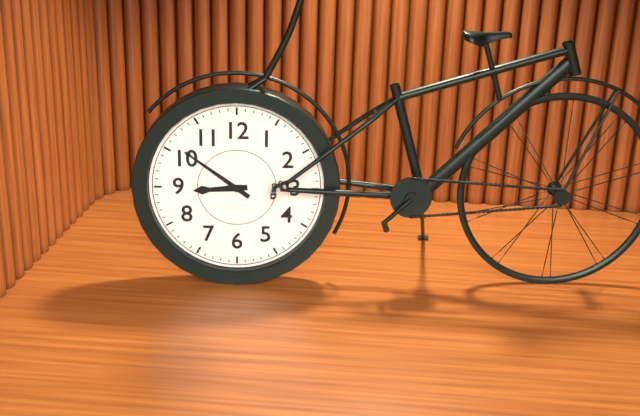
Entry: 8 h 51 min
